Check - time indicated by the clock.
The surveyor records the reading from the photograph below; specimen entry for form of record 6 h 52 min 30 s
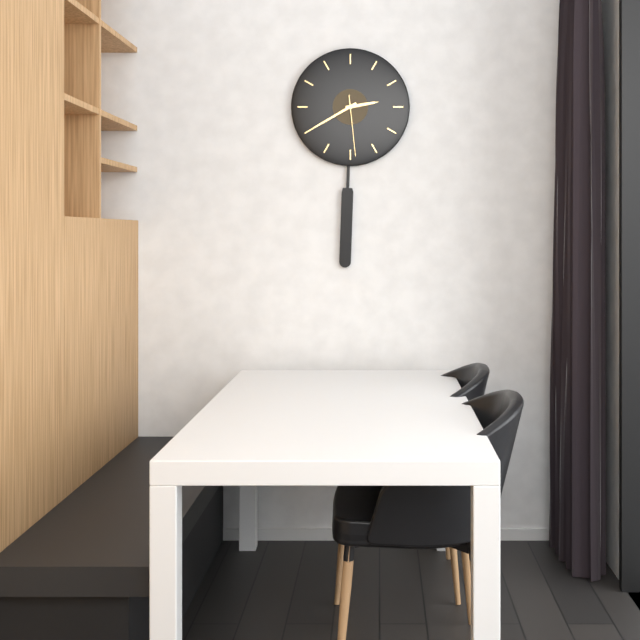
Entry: 2 h 40 min 29 s
